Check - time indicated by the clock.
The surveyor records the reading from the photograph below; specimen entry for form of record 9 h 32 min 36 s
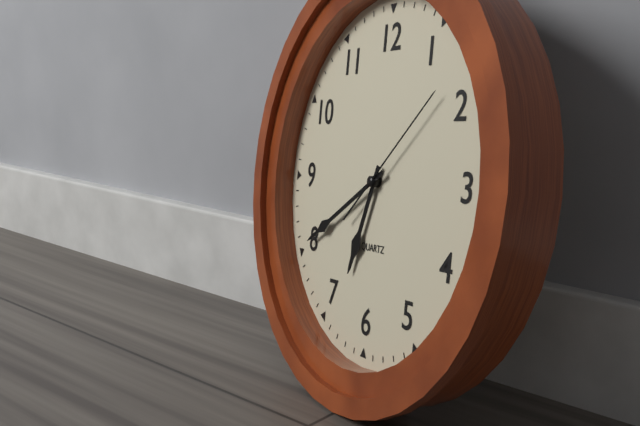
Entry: 6 h 40 min 08 s
